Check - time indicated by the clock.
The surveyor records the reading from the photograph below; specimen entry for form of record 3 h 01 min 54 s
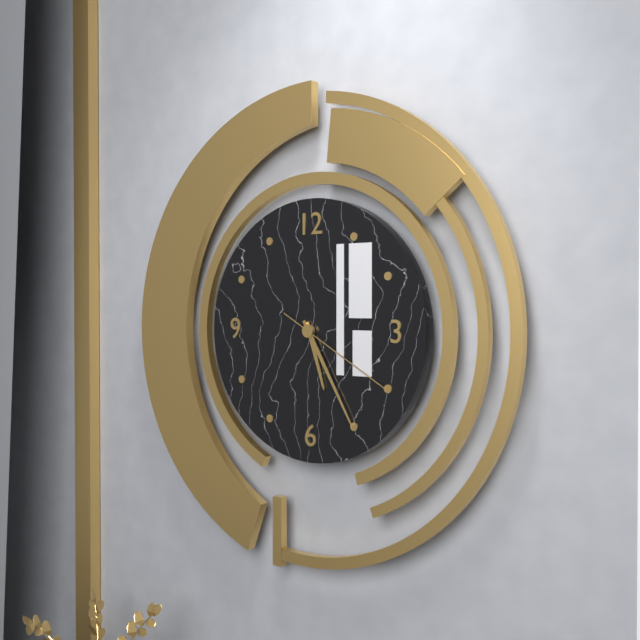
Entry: 5 h 25 min 20 s
